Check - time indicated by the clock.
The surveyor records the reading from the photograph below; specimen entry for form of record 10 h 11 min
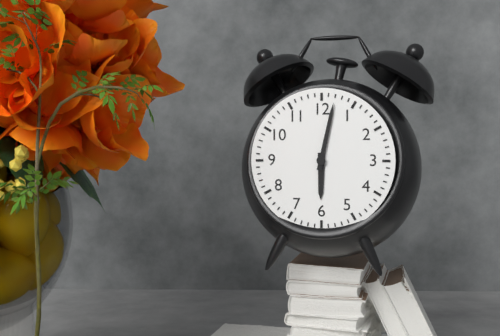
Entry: 6 h 02 min
